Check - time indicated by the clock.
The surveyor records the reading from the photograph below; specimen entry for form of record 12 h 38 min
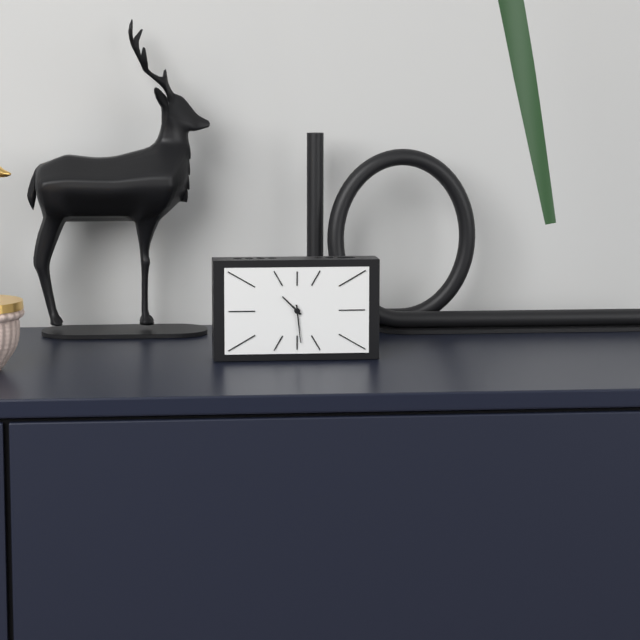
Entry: 10 h 29 min
